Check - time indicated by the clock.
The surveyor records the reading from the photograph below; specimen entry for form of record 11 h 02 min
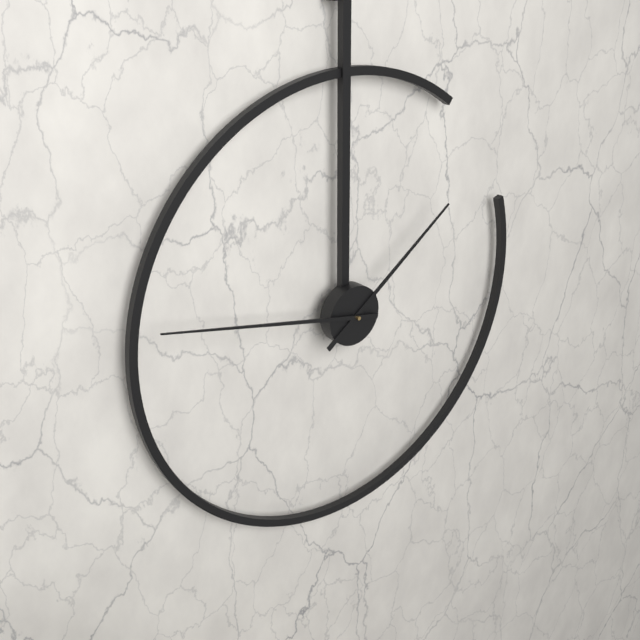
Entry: 1 h 47 min
